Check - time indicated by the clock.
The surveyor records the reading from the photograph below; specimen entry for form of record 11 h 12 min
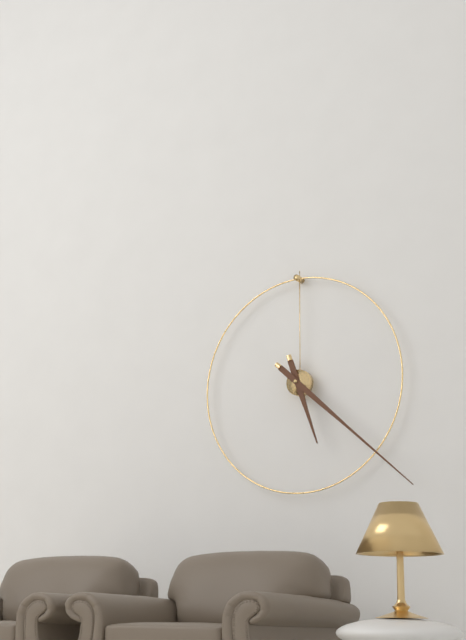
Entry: 5 h 22 min
